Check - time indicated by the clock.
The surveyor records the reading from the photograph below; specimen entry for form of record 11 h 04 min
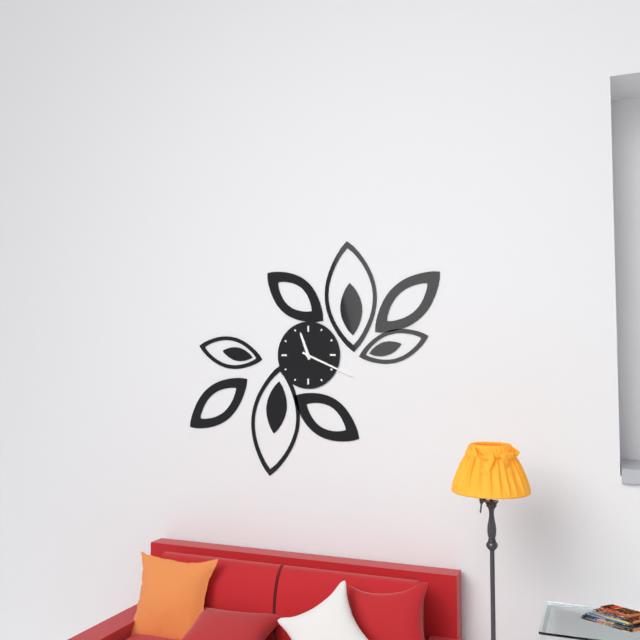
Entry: 11 h 19 min
